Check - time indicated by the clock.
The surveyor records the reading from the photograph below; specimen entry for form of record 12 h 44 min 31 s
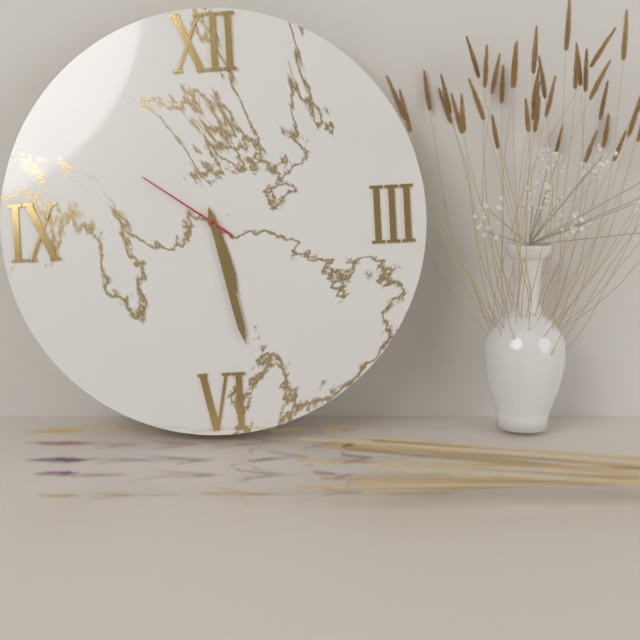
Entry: 5 h 28 min 51 s
